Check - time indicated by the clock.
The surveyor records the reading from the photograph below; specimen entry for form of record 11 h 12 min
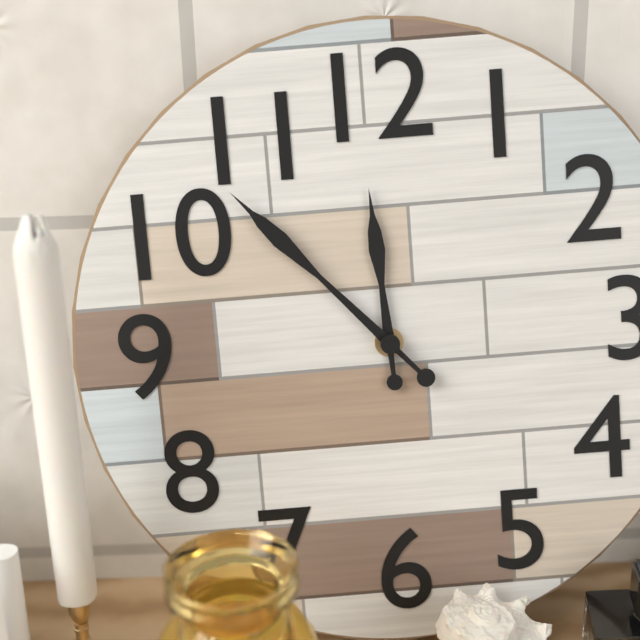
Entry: 11 h 53 min
